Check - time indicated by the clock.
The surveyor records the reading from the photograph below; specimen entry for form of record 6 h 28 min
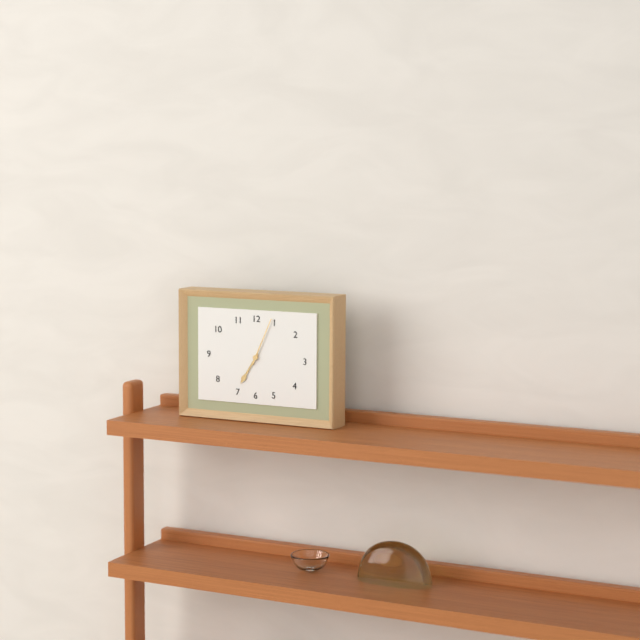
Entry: 7 h 04 min
